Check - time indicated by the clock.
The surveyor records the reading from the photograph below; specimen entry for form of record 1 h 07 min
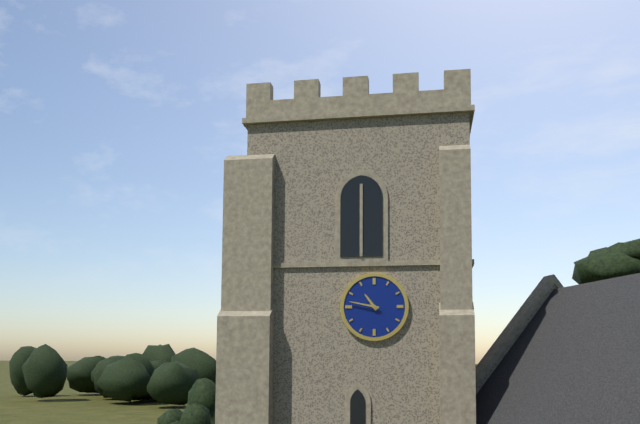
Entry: 10 h 47 min
